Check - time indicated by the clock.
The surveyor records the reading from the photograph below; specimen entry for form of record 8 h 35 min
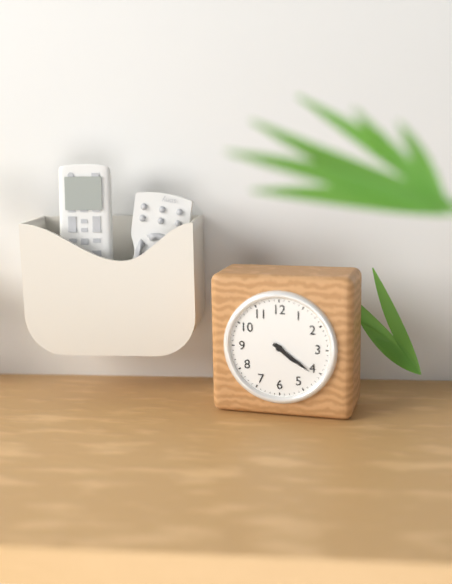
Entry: 4 h 21 min
